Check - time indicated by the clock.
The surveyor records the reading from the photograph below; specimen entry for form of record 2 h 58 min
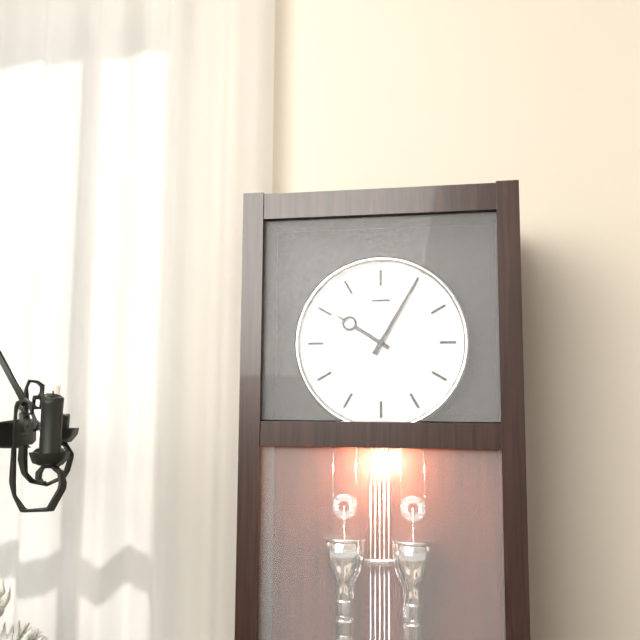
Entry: 10 h 05 min
